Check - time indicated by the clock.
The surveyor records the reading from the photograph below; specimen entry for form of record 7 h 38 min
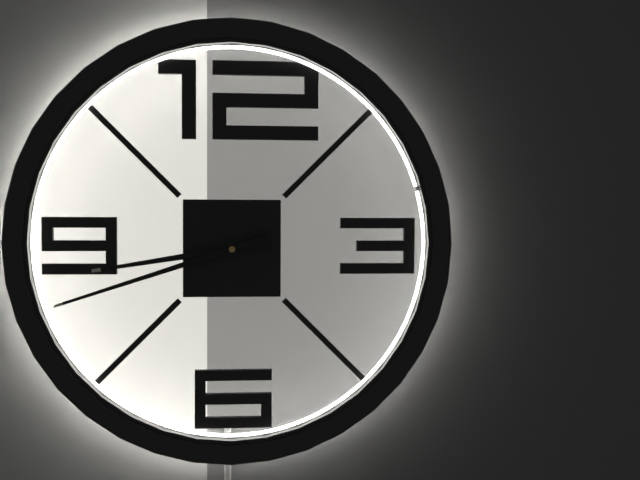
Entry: 8 h 42 min
